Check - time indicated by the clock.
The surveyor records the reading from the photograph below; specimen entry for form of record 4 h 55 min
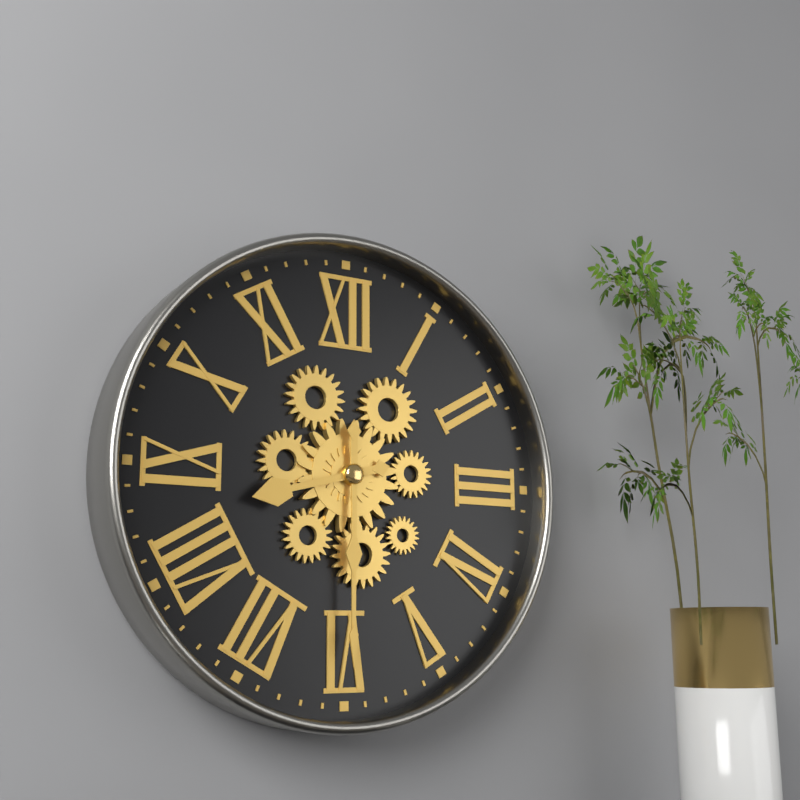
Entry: 8 h 30 min
